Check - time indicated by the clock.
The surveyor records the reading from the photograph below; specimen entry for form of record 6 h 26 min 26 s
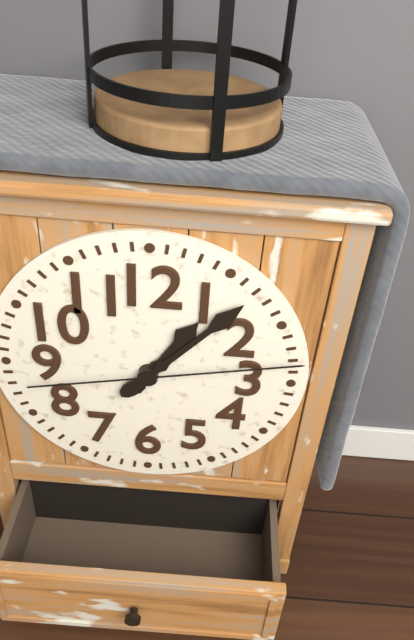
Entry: 1 h 07 min 13 s
